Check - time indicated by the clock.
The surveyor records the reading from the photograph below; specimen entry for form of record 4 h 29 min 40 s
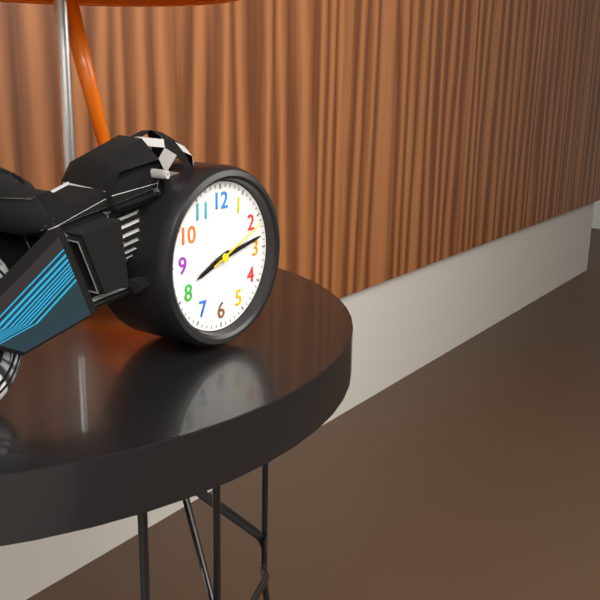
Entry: 8 h 13 min 11 s
